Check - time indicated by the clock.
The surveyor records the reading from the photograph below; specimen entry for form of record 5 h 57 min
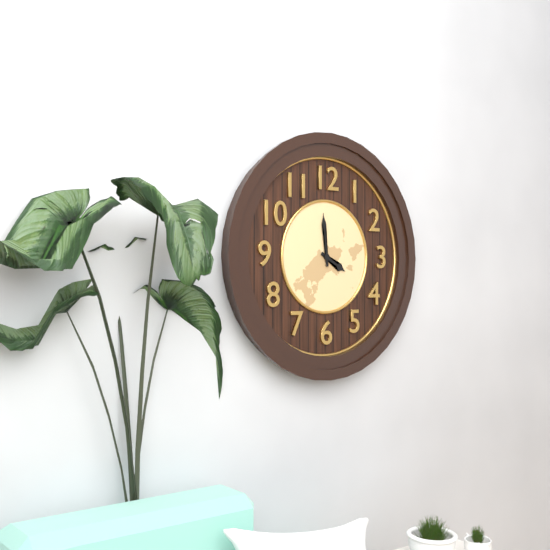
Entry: 3 h 59 min
